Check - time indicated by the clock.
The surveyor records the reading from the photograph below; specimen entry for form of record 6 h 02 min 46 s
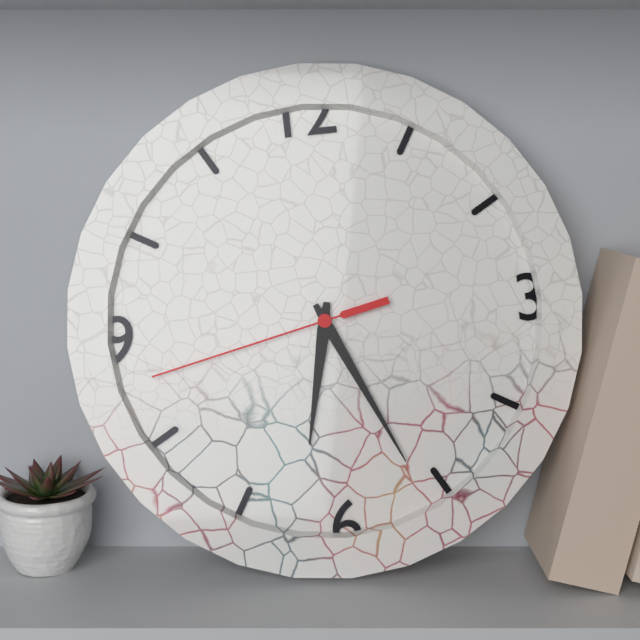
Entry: 6 h 26 min 43 s
